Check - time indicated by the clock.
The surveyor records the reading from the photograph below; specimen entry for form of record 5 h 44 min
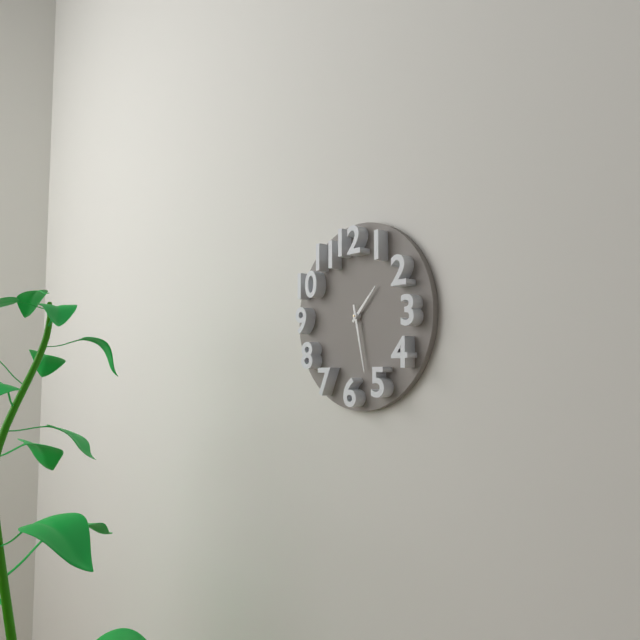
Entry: 1 h 28 min
